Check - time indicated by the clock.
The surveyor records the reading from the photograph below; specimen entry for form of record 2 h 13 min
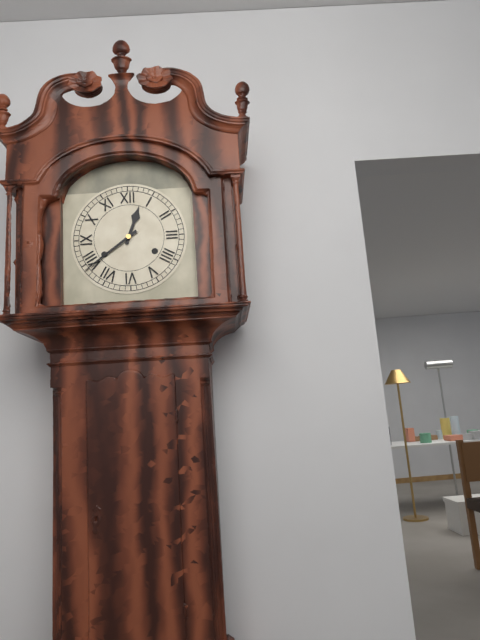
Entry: 12 h 39 min
